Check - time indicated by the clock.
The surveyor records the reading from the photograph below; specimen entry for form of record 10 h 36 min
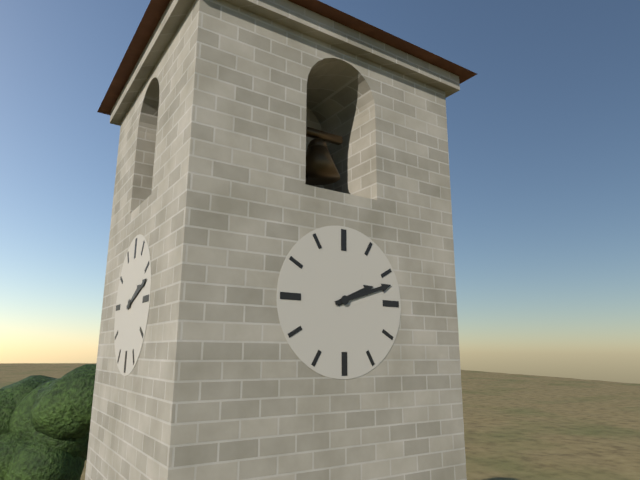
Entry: 2 h 12 min
